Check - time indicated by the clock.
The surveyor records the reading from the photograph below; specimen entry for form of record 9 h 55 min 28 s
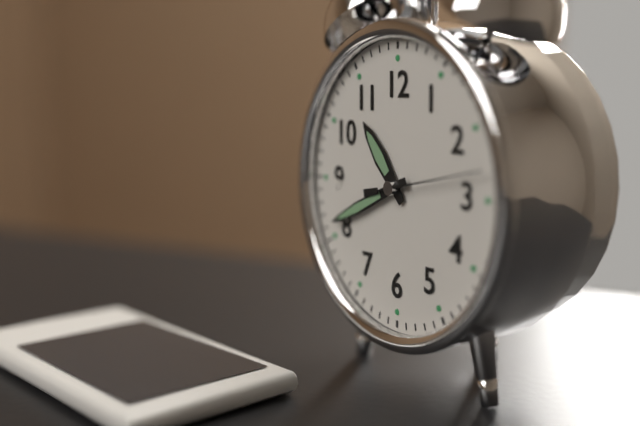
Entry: 10 h 41 min 13 s
